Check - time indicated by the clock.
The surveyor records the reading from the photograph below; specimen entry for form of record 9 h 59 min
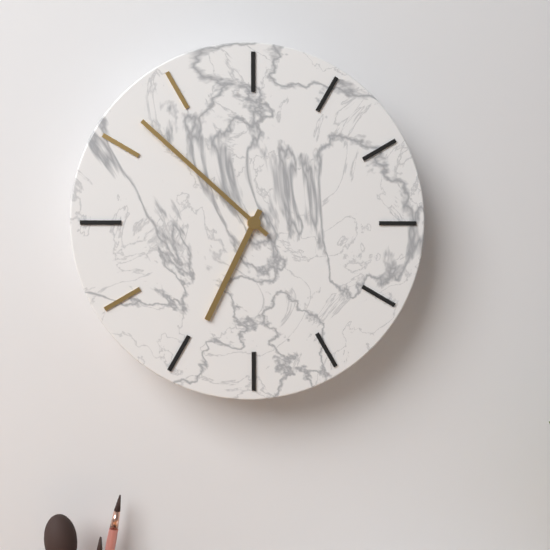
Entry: 6 h 52 min
